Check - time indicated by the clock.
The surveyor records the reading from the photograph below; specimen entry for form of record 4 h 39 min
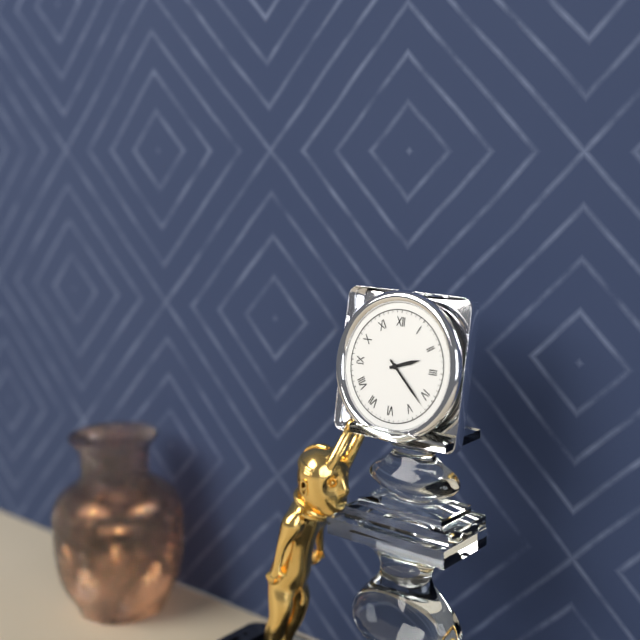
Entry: 2 h 22 min
